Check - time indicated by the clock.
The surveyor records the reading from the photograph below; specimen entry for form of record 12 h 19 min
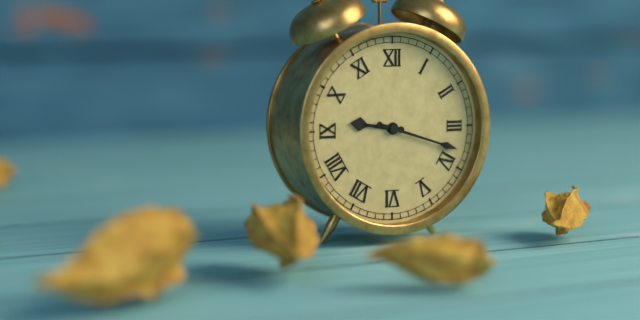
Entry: 9 h 18 min
